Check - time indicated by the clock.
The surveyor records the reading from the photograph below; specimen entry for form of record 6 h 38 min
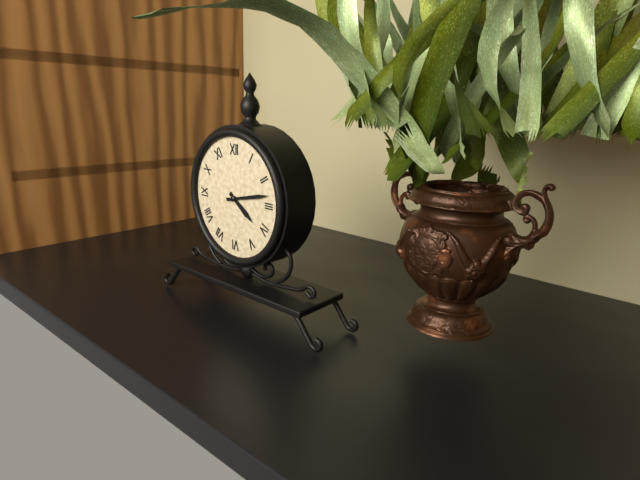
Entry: 4 h 13 min
